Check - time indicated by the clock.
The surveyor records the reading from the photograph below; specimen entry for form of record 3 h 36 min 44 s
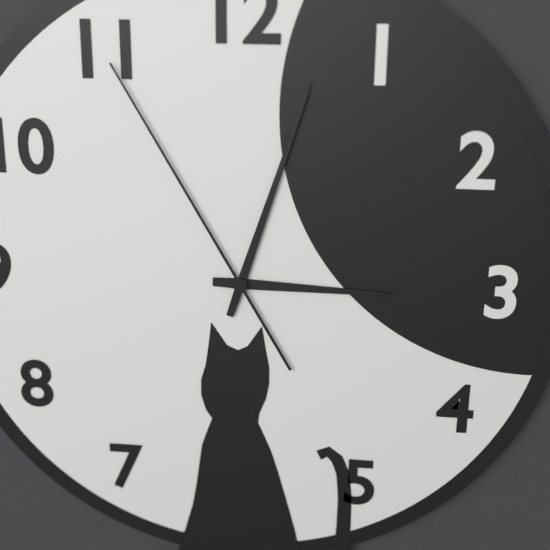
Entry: 3 h 03 min 55 s
